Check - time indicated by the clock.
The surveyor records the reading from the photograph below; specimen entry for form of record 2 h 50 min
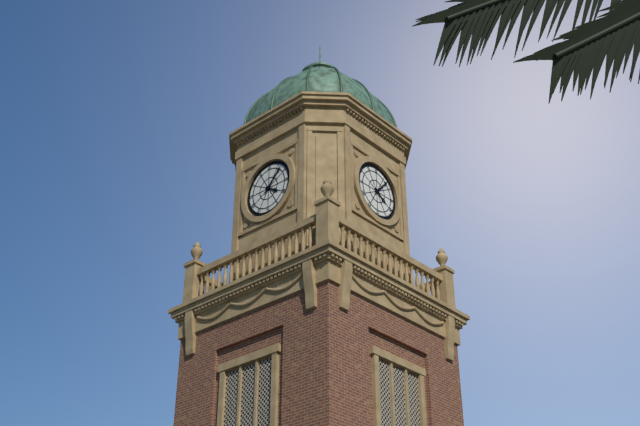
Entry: 4 h 07 min
